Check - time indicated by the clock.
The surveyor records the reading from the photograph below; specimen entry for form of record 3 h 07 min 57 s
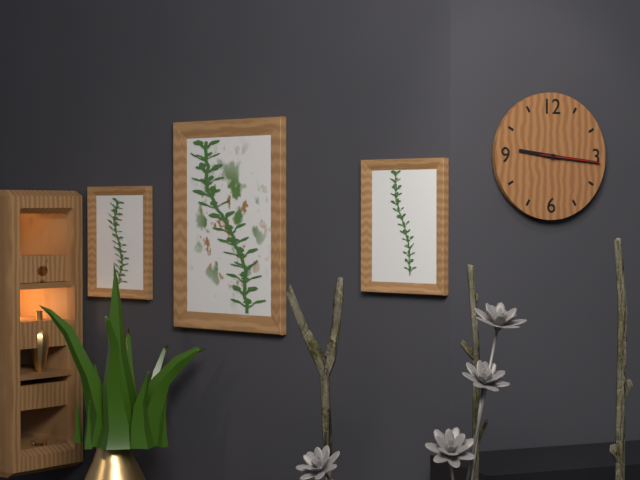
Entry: 9 h 16 min 16 s
